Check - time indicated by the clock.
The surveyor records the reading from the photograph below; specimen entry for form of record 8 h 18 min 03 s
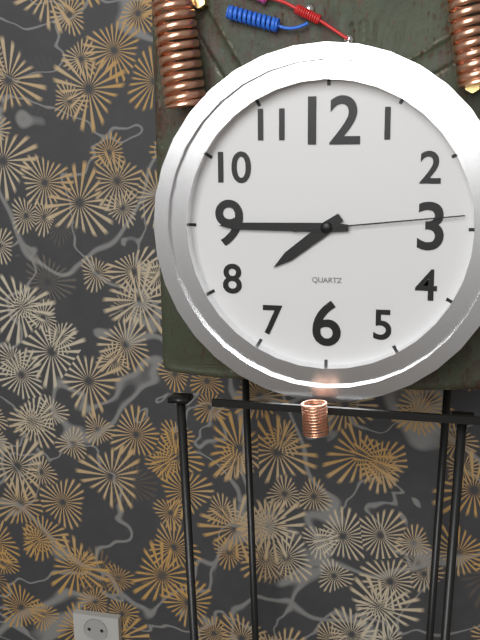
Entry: 7 h 45 min 14 s
